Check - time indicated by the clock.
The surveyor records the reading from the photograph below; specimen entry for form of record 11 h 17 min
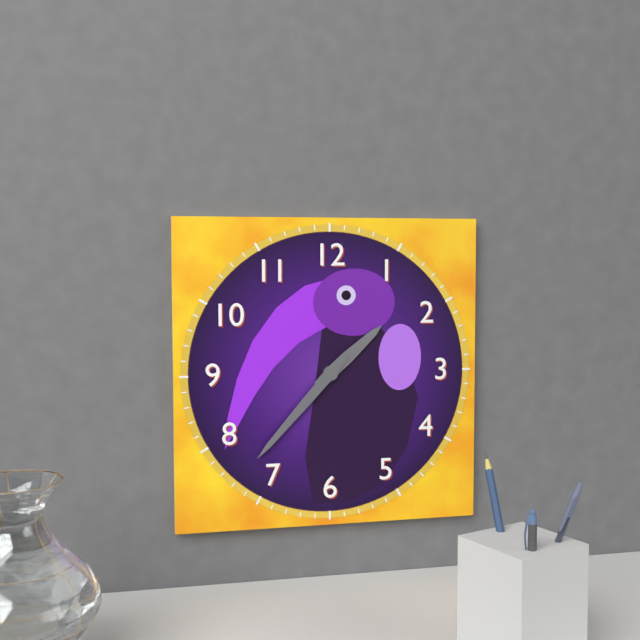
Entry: 1 h 37 min
